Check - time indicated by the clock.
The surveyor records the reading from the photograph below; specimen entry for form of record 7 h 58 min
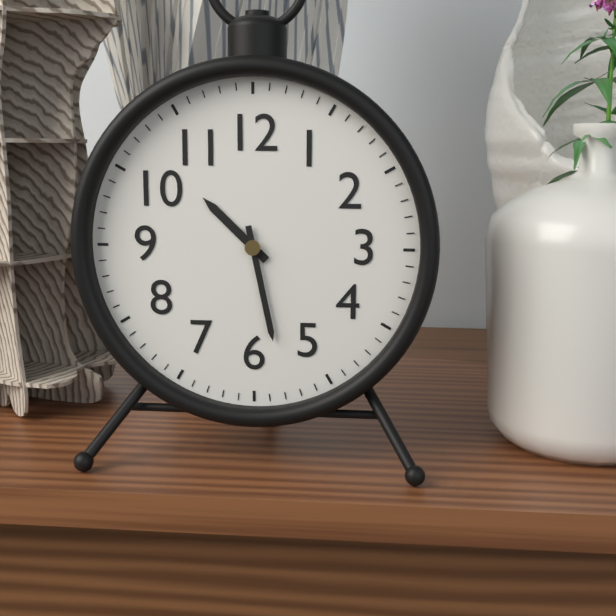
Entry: 10 h 28 min
